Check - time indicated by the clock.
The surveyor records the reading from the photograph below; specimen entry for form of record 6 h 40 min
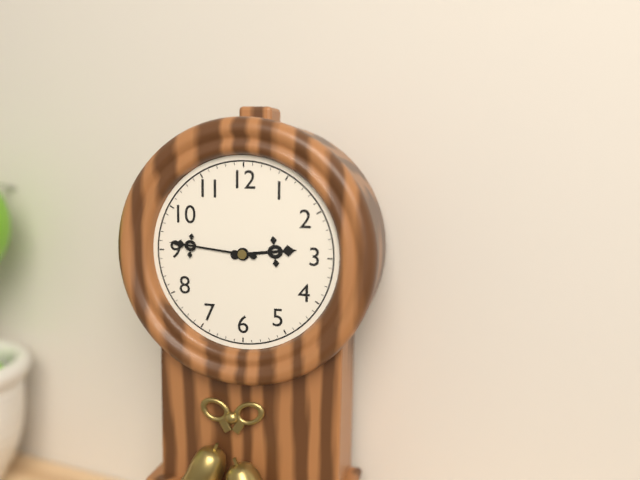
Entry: 2 h 46 min
